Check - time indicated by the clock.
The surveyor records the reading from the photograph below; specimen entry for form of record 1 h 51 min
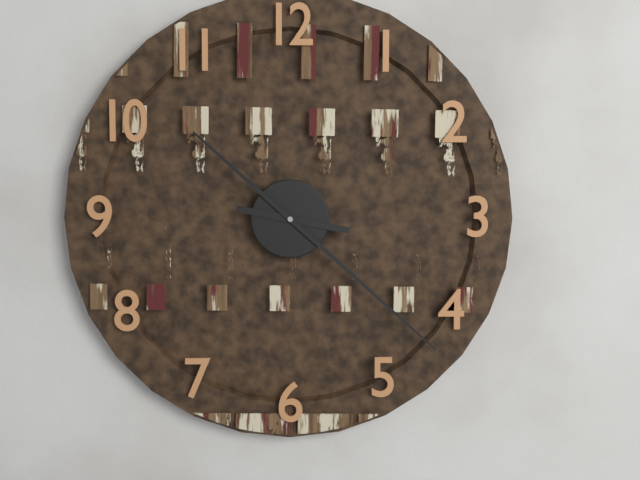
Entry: 3 h 22 min
